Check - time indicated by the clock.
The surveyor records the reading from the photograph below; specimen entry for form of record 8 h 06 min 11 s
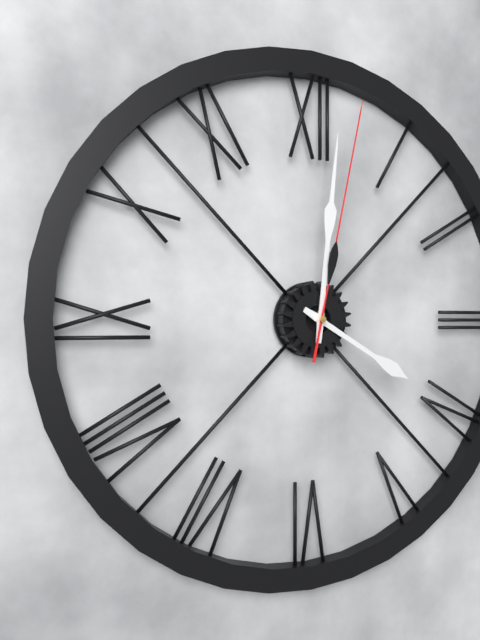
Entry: 4 h 01 min 02 s
